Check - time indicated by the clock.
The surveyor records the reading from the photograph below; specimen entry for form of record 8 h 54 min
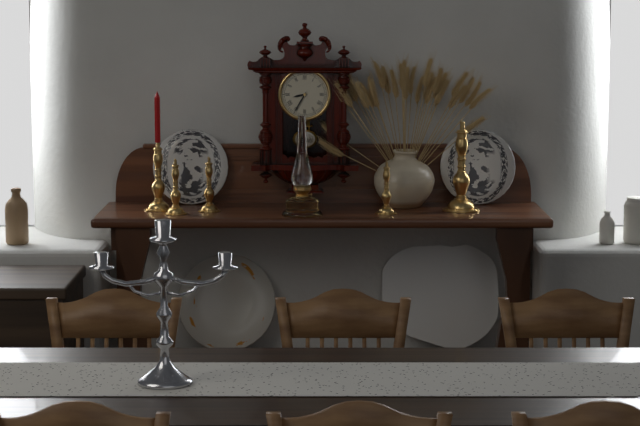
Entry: 8 h 35 min
